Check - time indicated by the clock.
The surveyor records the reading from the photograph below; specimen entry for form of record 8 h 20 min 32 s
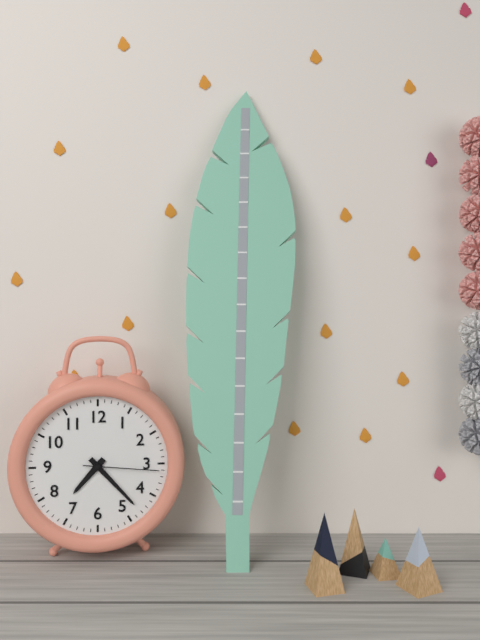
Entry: 7 h 23 min 16 s
